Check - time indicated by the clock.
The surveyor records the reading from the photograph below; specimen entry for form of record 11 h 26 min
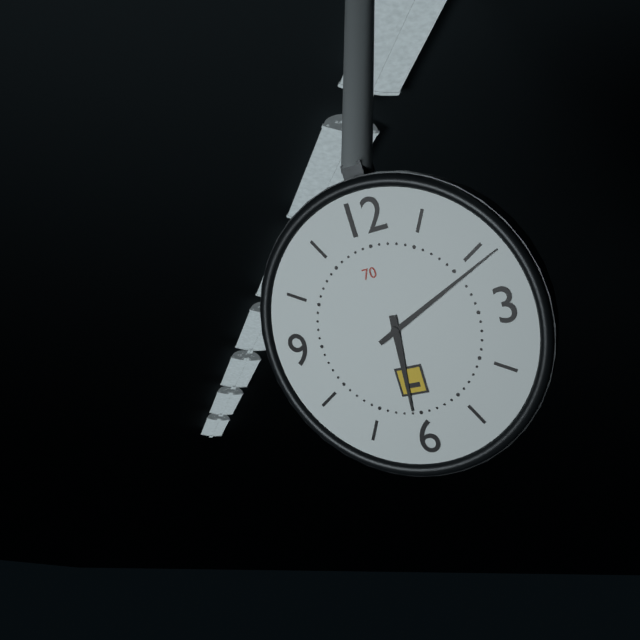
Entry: 6 h 11 min
